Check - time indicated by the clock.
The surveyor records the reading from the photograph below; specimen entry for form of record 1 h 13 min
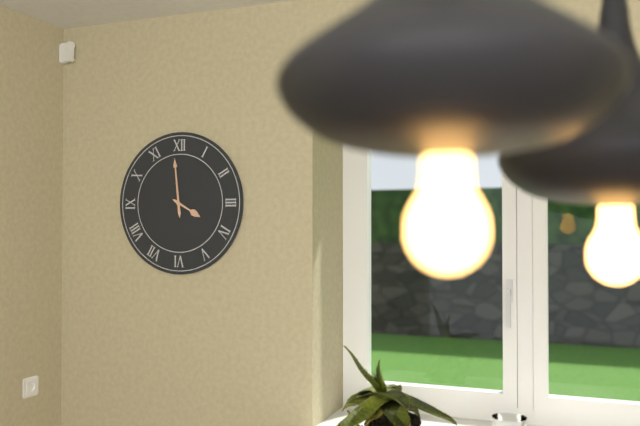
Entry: 3 h 59 min
